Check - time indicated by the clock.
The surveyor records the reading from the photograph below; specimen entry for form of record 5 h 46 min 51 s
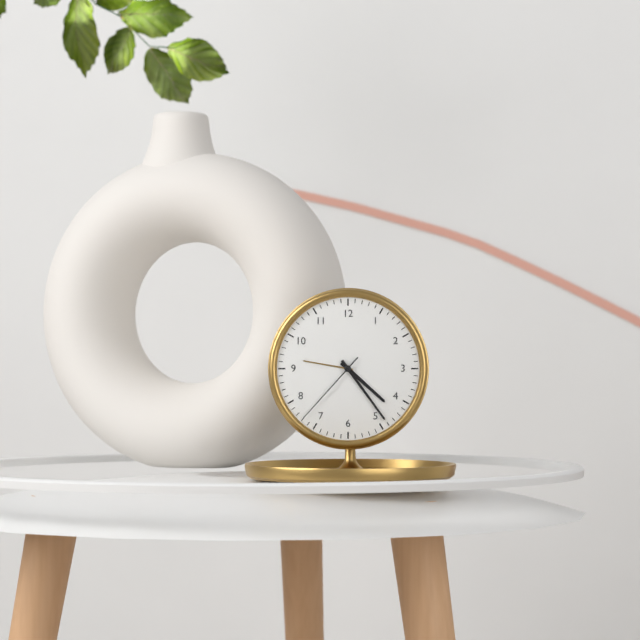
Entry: 4 h 24 min 37 s
